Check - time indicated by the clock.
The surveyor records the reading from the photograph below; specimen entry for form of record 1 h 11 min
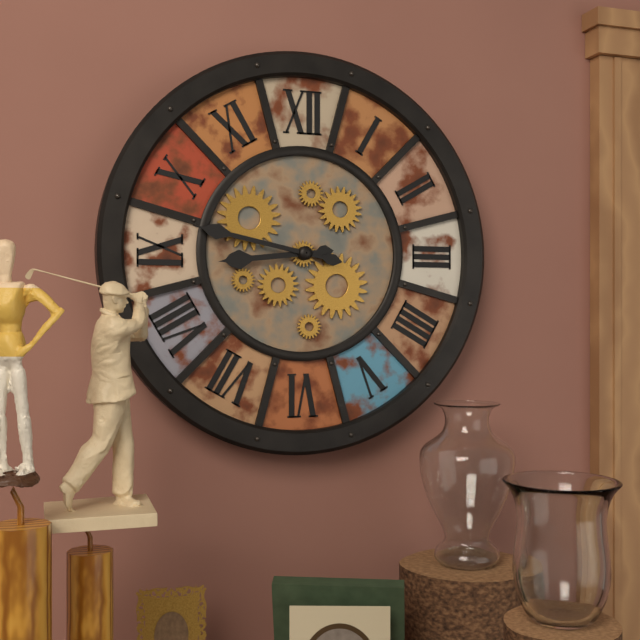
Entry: 8 h 47 min
